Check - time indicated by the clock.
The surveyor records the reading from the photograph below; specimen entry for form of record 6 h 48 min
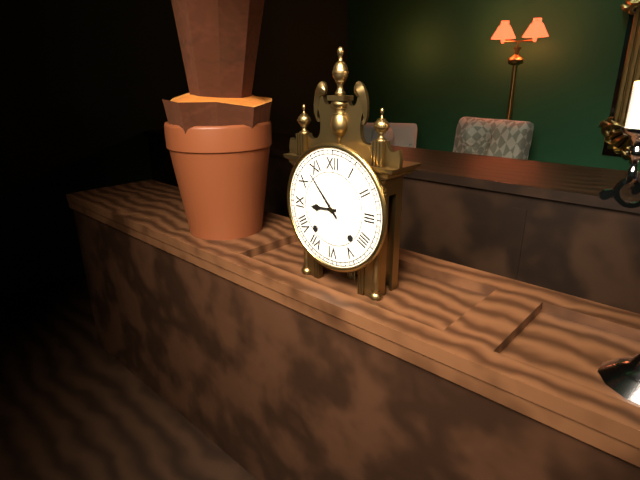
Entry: 8 h 53 min
